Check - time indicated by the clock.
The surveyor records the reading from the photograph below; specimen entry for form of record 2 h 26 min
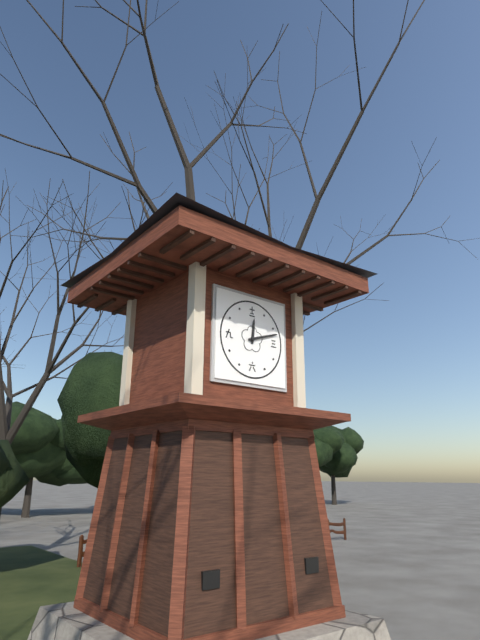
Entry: 12 h 12 min
